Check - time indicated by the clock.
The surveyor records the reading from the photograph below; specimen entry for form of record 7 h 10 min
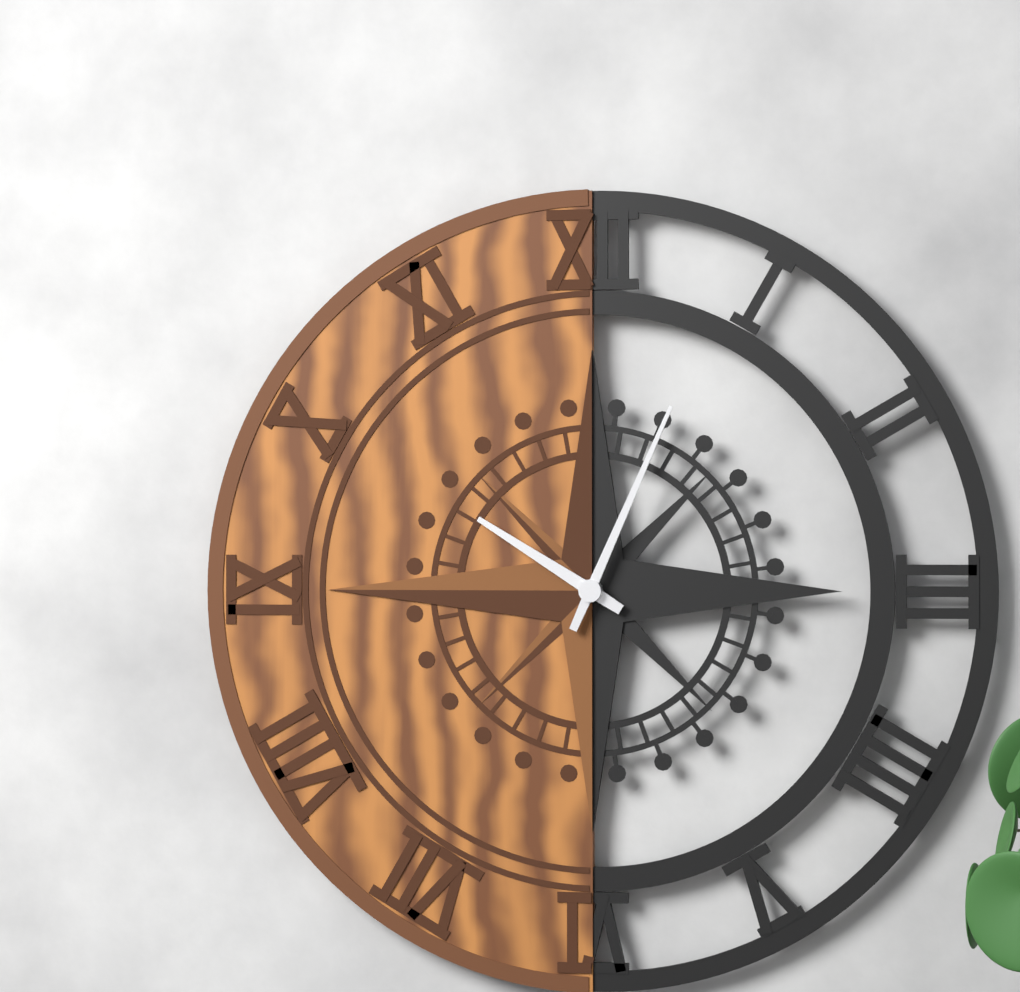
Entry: 10 h 04 min
